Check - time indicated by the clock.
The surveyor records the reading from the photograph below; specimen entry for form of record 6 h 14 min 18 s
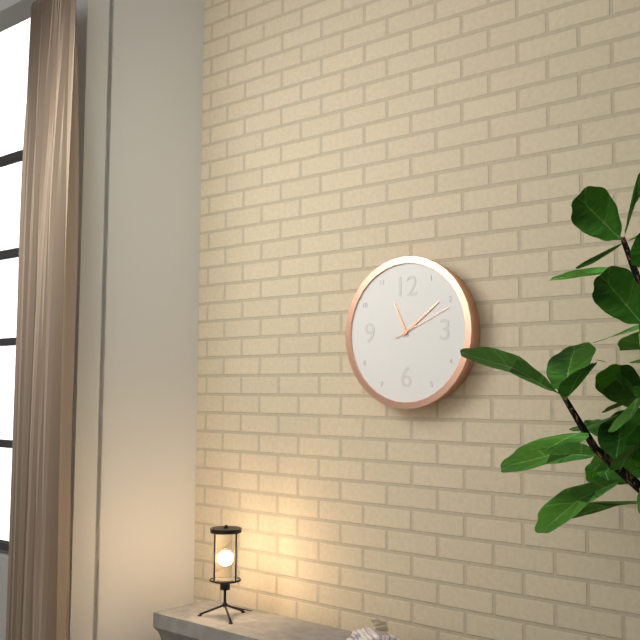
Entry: 11 h 09 min 11 s
